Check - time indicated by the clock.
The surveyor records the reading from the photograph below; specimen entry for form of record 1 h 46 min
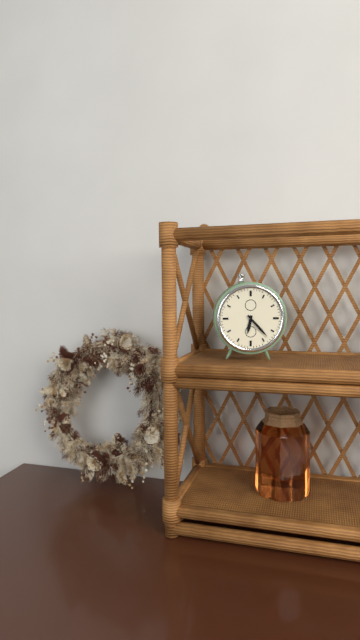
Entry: 6 h 23 min
